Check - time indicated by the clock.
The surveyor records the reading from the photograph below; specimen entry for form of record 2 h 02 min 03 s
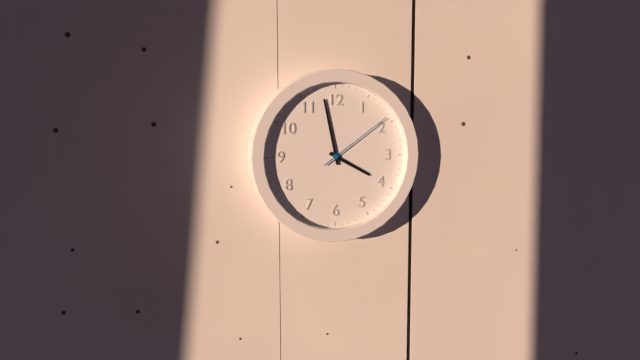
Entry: 3 h 58 min 09 s
